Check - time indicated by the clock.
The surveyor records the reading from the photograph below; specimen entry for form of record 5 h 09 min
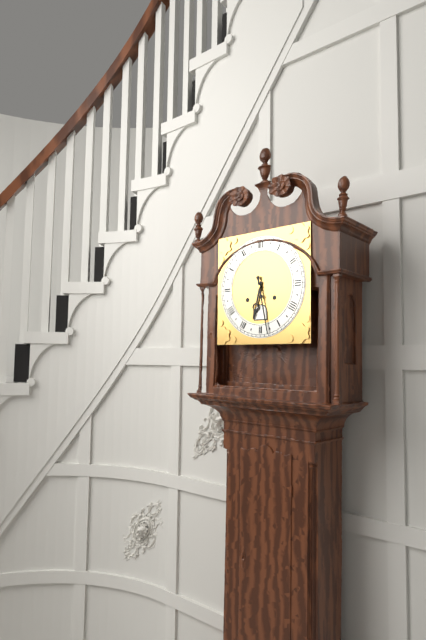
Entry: 6 h 28 min
